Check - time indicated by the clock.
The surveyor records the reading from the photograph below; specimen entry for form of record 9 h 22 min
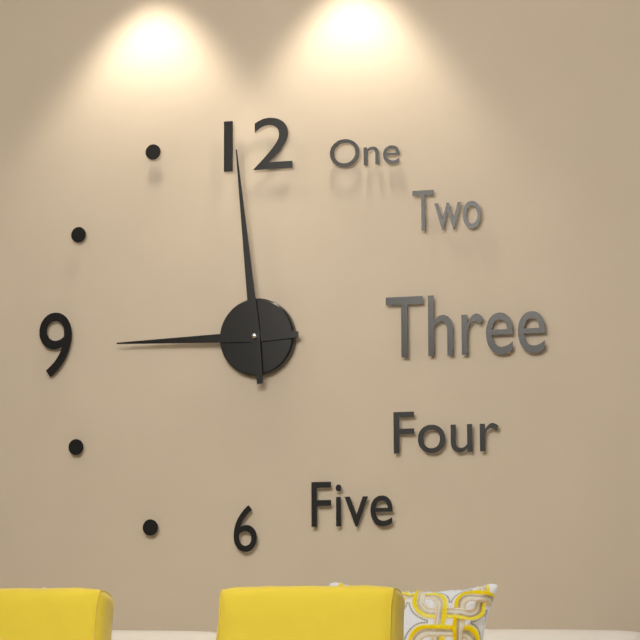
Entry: 8 h 59 min
